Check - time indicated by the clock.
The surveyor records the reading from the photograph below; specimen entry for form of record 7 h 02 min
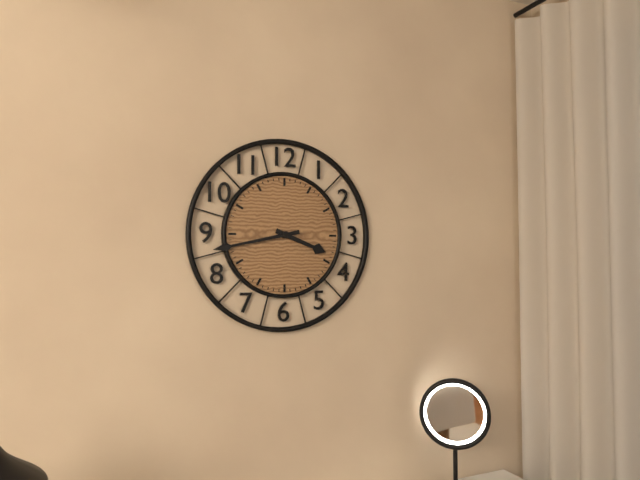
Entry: 3 h 43 min
